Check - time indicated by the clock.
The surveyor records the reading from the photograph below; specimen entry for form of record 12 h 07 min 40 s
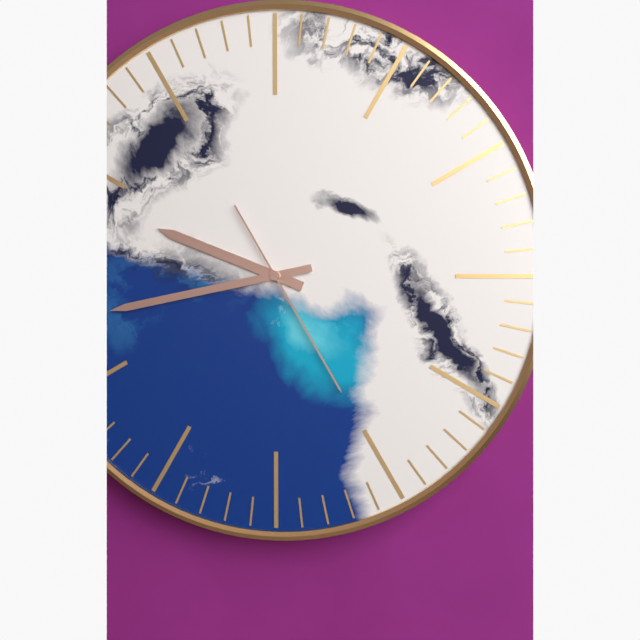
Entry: 9 h 43 min 25 s
